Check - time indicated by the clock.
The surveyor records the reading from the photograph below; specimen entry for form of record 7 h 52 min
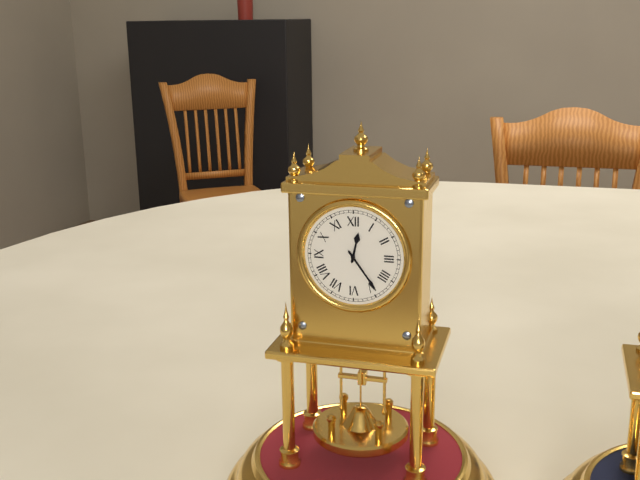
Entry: 12 h 24 min
